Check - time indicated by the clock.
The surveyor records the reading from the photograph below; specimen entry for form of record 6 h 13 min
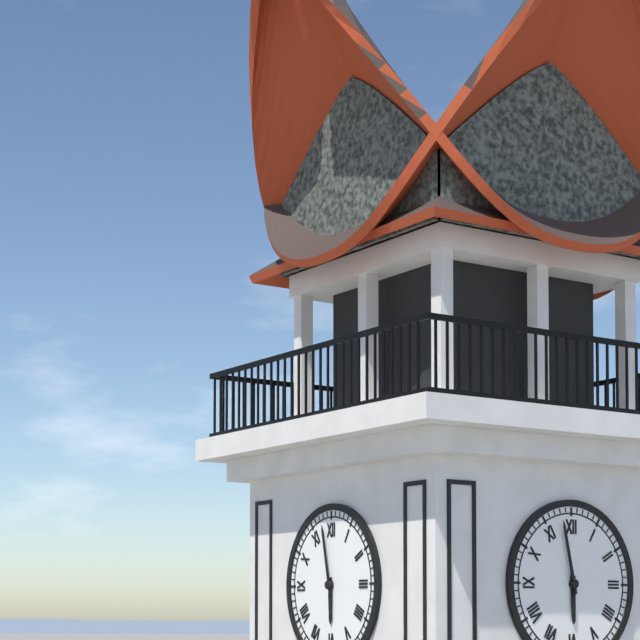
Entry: 5 h 58 min
